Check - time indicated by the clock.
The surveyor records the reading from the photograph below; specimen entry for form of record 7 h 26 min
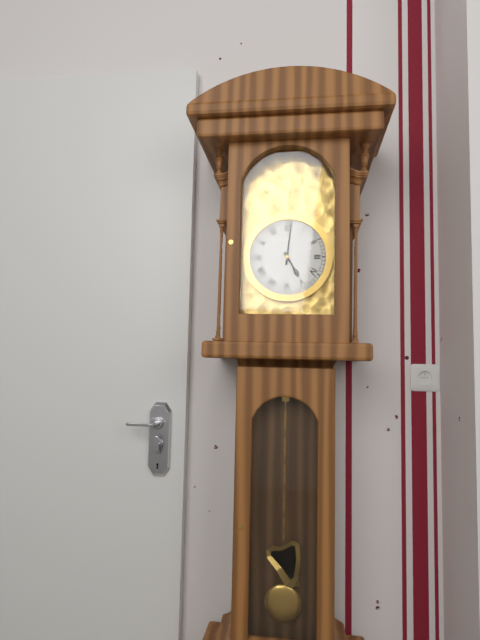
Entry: 5 h 01 min
